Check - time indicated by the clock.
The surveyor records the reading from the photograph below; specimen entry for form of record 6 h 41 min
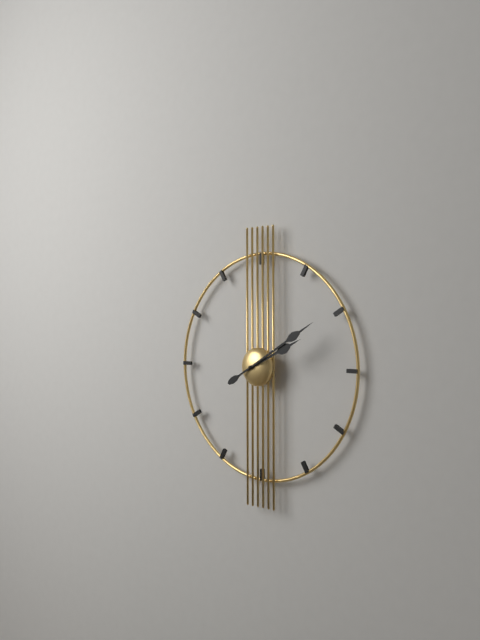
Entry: 2 h 10 min
